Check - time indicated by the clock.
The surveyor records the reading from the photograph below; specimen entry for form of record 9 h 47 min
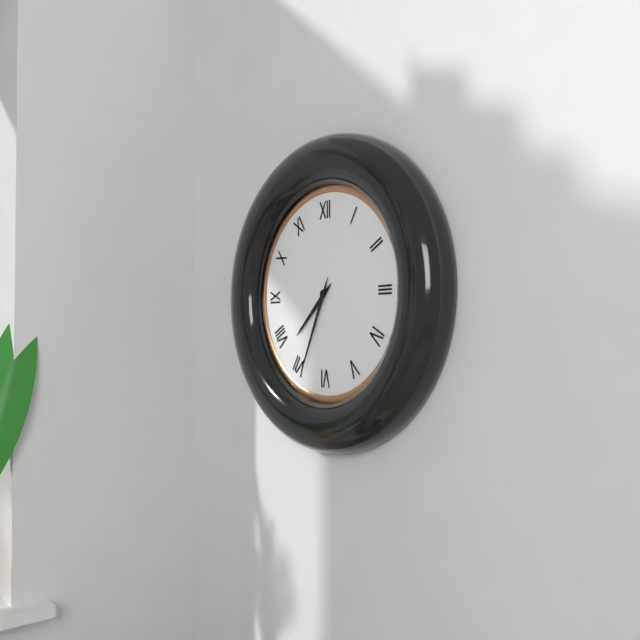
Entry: 7 h 34 min
